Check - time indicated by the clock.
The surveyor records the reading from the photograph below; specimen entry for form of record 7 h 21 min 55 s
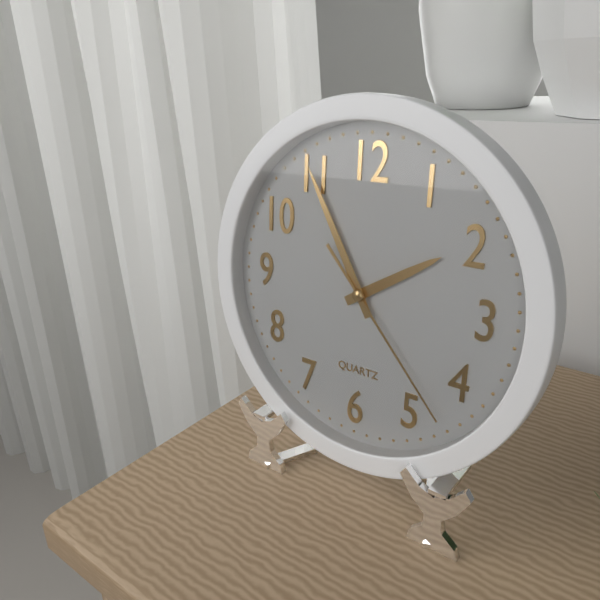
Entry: 1 h 55 min 23 s
